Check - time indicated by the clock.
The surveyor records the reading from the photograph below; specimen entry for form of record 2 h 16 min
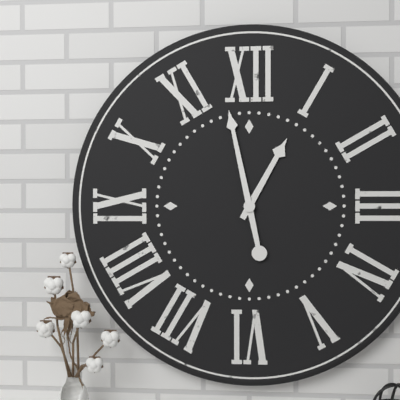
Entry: 12 h 58 min
